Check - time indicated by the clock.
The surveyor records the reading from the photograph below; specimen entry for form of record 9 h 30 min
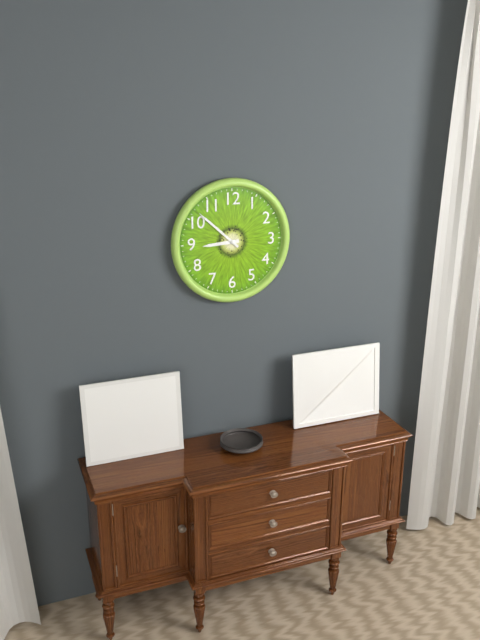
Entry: 8 h 52 min
